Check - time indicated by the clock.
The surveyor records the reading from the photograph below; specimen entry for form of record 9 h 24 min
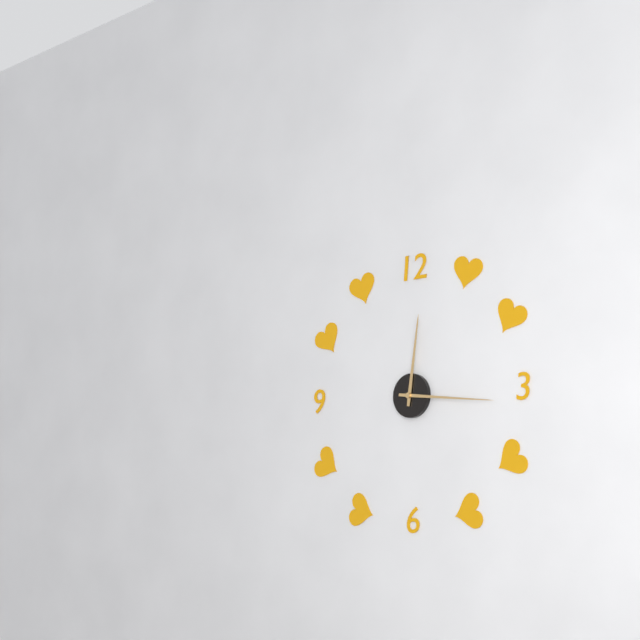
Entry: 12 h 16 min
